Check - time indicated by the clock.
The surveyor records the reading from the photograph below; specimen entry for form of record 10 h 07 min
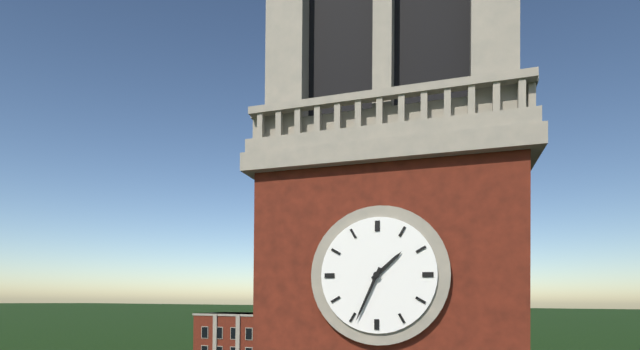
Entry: 1 h 34 min
